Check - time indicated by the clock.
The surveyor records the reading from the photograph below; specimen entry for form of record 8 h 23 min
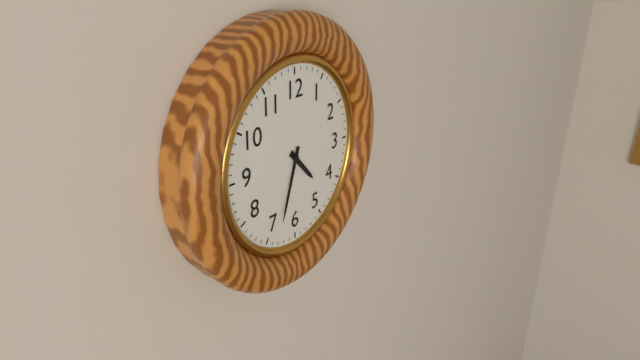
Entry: 4 h 33 min
